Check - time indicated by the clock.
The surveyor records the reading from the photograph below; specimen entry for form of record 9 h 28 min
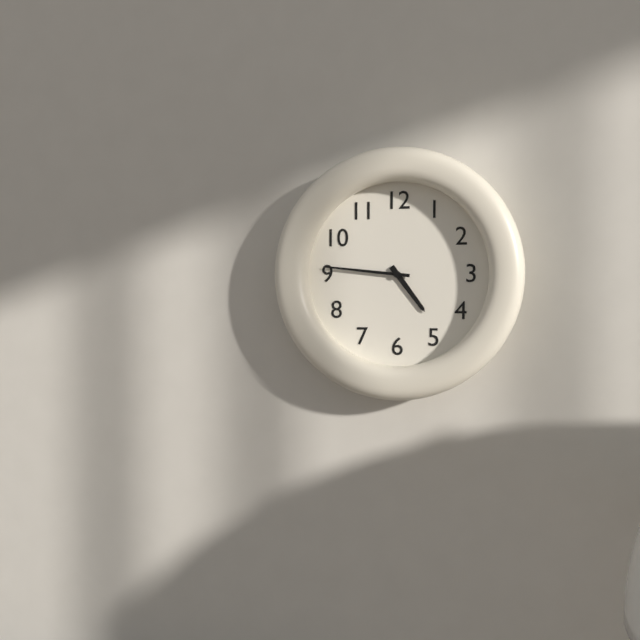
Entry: 4 h 46 min
